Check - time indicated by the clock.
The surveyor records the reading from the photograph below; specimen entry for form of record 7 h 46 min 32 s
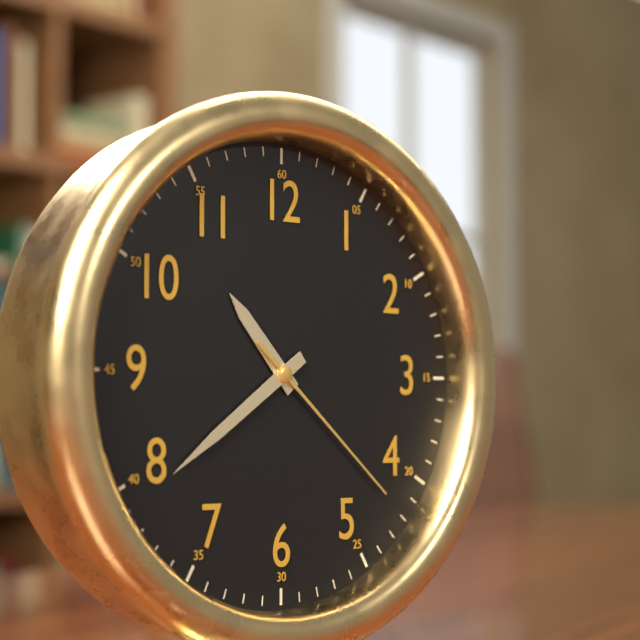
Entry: 10 h 39 min 22 s
